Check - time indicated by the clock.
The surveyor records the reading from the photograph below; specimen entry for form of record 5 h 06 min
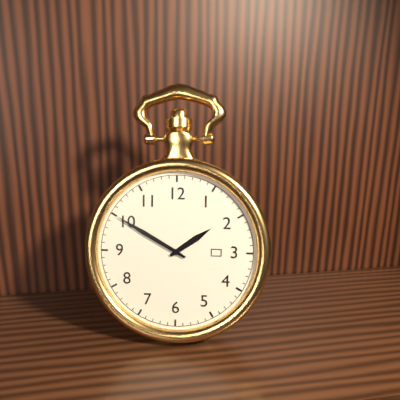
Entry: 1 h 50 min
